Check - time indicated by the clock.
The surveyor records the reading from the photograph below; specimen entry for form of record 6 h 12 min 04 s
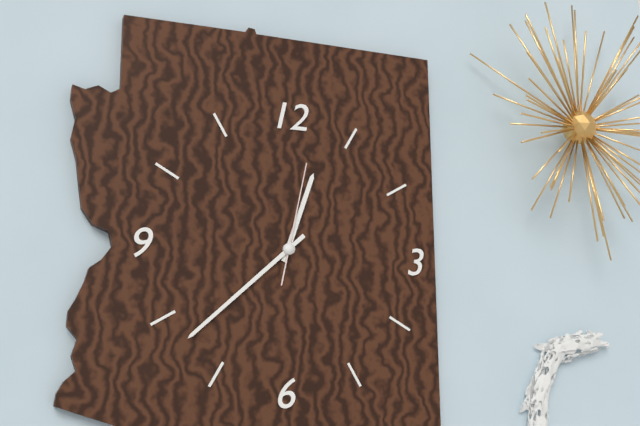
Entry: 12 h 38 min 02 s
